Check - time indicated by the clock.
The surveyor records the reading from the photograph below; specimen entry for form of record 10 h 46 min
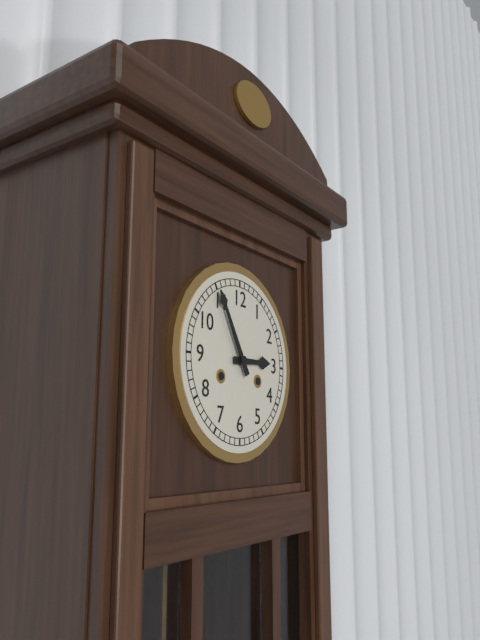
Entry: 2 h 55 min
